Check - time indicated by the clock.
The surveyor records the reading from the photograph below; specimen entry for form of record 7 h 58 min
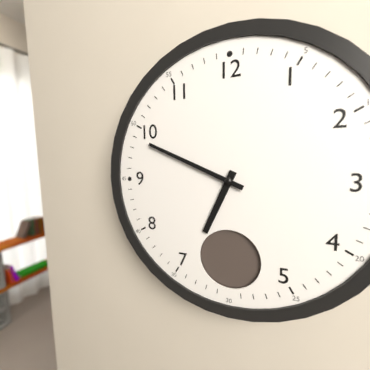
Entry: 6 h 49 min
